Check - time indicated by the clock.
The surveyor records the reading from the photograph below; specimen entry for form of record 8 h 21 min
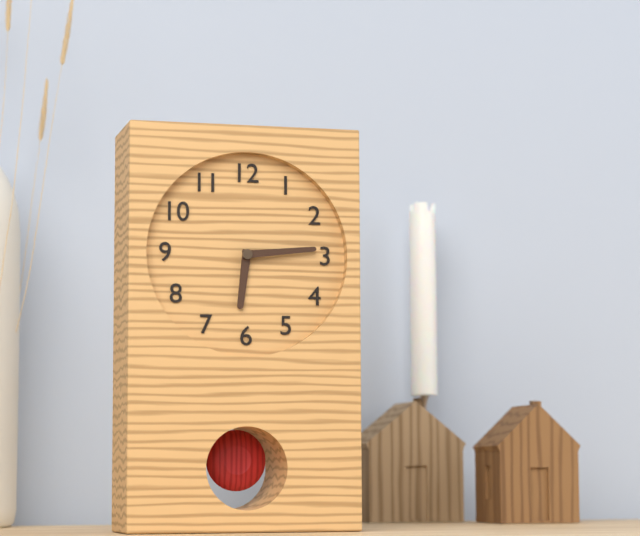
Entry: 6 h 14 min
